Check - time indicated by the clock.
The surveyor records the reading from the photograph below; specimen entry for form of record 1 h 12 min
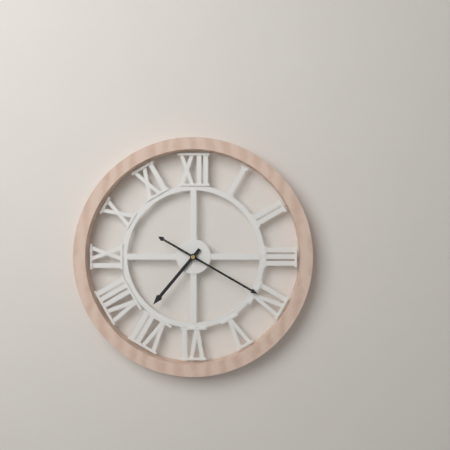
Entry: 7 h 20 min
